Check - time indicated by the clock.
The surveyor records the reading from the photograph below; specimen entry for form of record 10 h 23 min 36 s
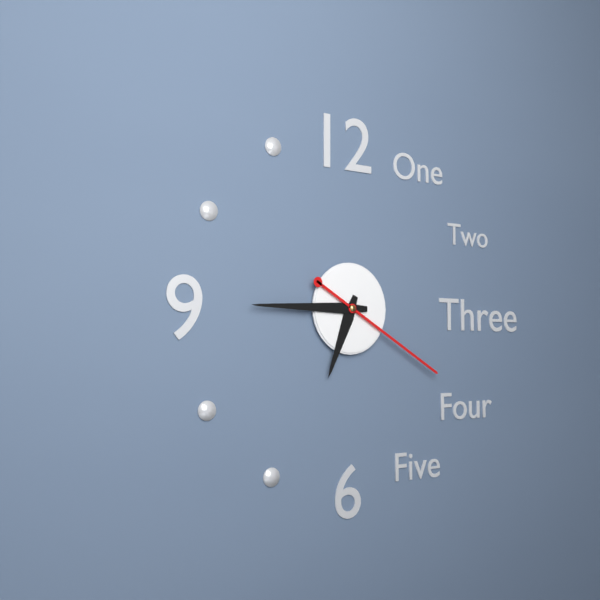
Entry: 6 h 45 min 20 s
